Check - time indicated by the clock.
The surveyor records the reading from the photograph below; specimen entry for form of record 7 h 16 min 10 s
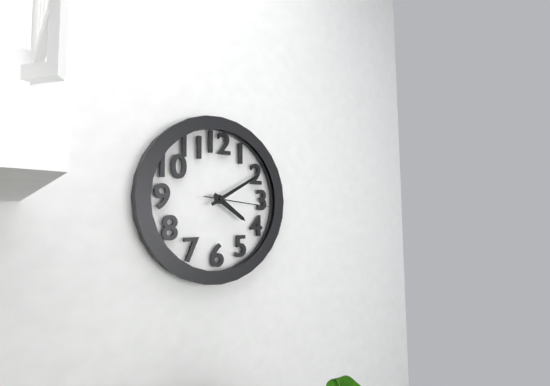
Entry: 4 h 10 min 16 s
